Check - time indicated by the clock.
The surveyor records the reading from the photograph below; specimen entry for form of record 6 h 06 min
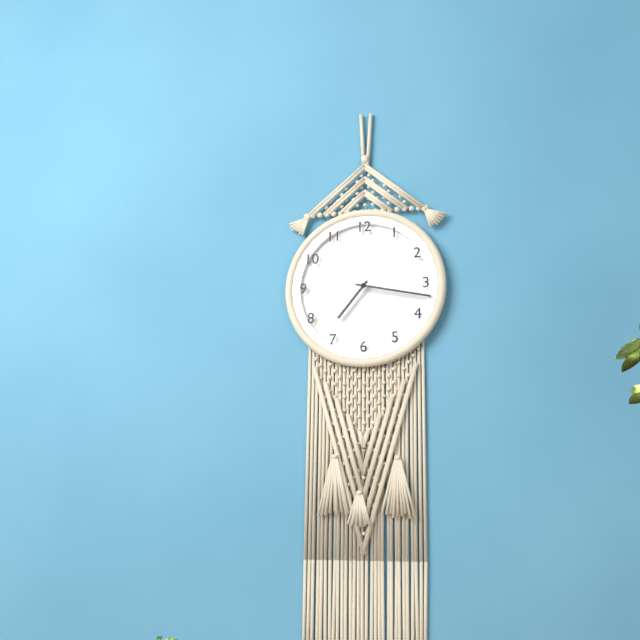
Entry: 7 h 17 min
